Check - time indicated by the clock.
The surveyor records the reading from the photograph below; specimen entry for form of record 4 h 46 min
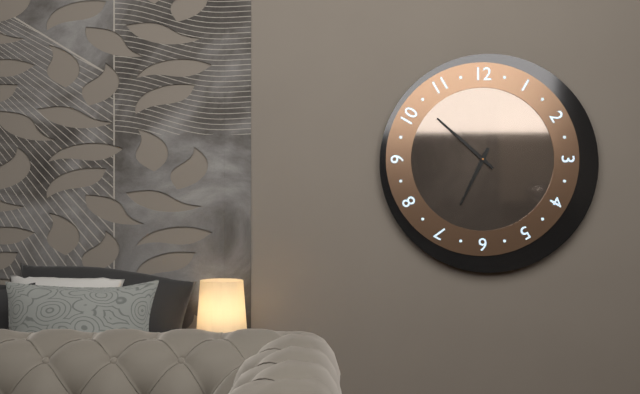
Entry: 6 h 52 min
